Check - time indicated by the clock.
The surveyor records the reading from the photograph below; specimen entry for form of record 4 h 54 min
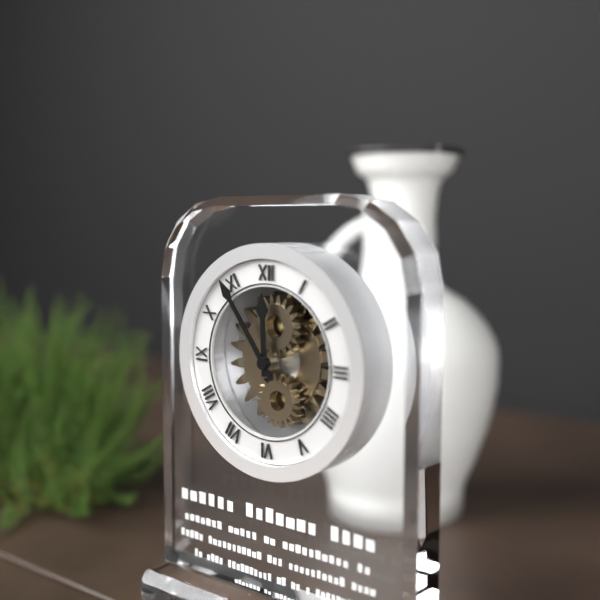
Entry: 11 h 54 min
